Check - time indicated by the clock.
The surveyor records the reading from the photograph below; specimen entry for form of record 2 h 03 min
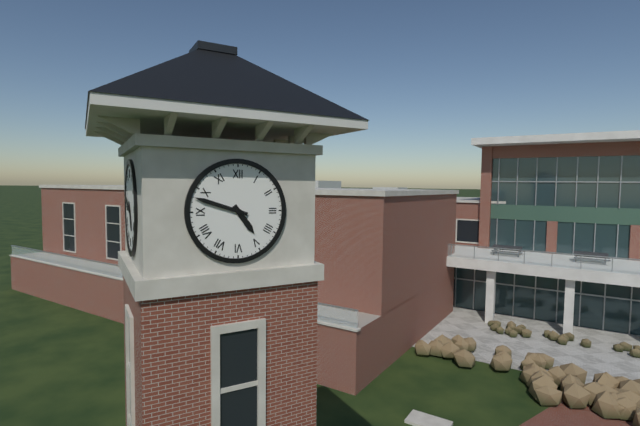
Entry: 4 h 48 min
